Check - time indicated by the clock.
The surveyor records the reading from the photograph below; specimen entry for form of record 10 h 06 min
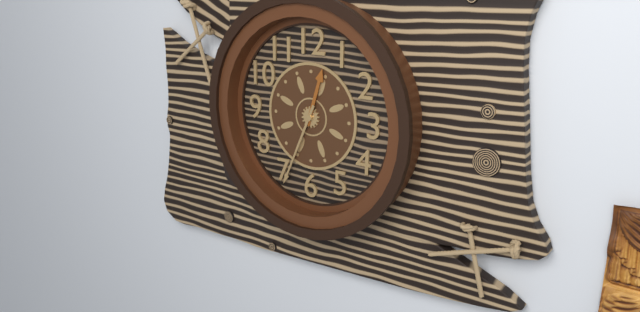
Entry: 12 h 34 min
